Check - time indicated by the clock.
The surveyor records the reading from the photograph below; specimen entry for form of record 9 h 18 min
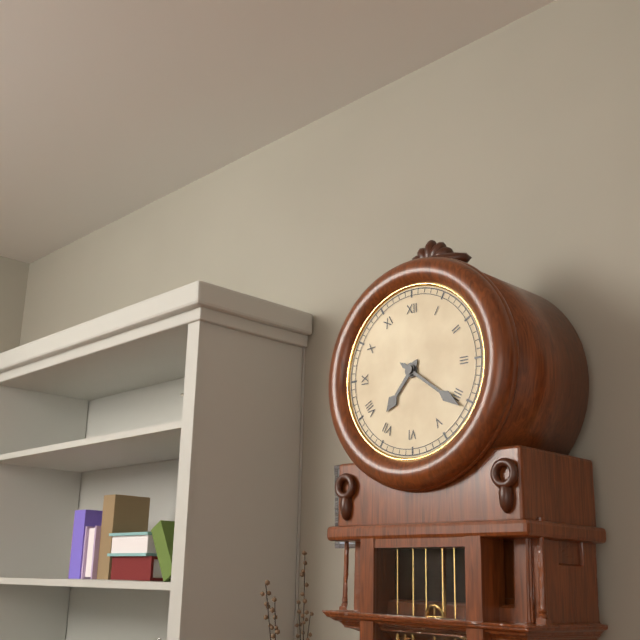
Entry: 7 h 21 min
